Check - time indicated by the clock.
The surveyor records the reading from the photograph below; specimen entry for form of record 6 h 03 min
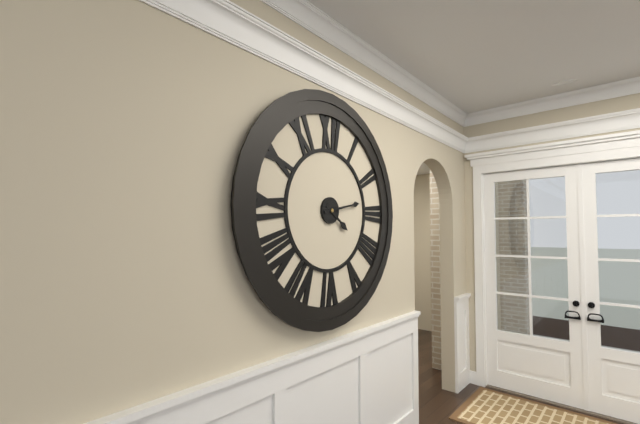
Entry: 4 h 13 min
